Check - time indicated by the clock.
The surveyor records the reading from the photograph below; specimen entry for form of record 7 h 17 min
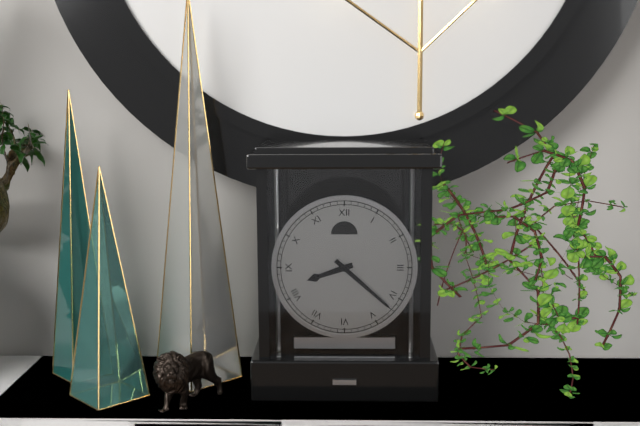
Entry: 8 h 22 min
